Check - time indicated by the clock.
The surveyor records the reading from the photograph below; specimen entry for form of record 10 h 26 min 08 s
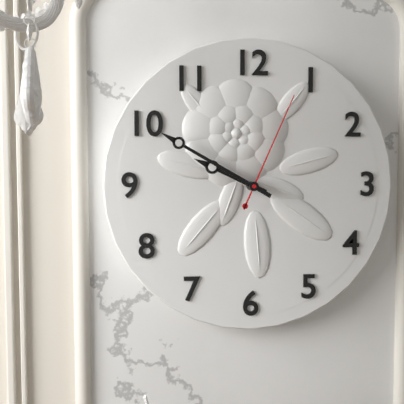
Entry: 9 h 50 min 04 s
